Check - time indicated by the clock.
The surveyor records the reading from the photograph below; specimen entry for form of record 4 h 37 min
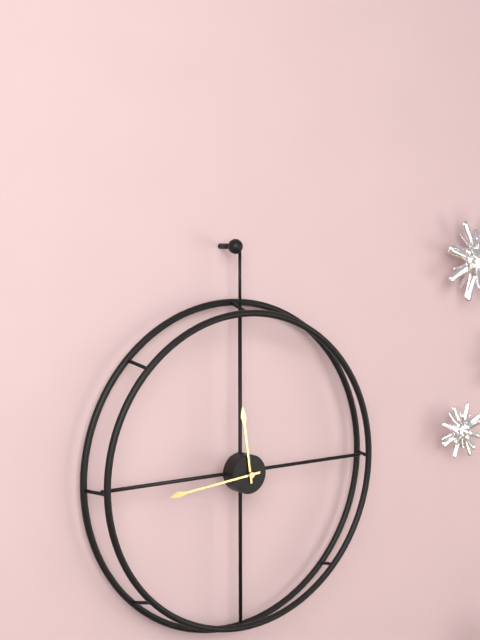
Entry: 11 h 44 min
